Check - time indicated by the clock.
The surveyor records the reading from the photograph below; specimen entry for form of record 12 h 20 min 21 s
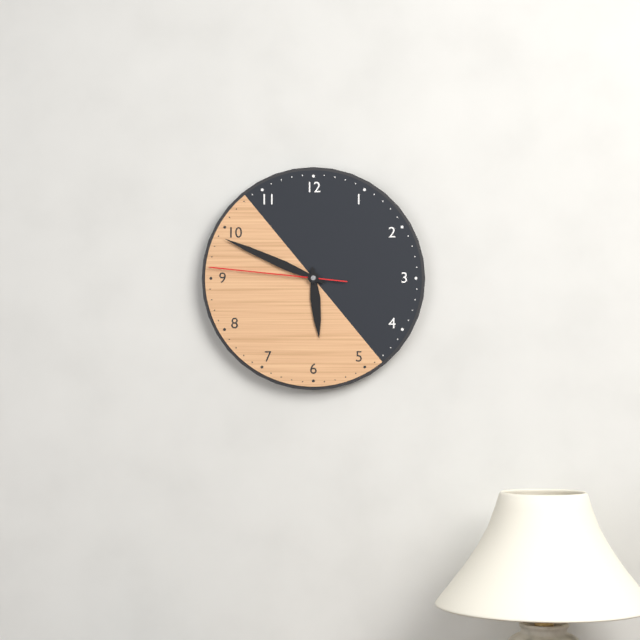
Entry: 5 h 49 min 46 s
